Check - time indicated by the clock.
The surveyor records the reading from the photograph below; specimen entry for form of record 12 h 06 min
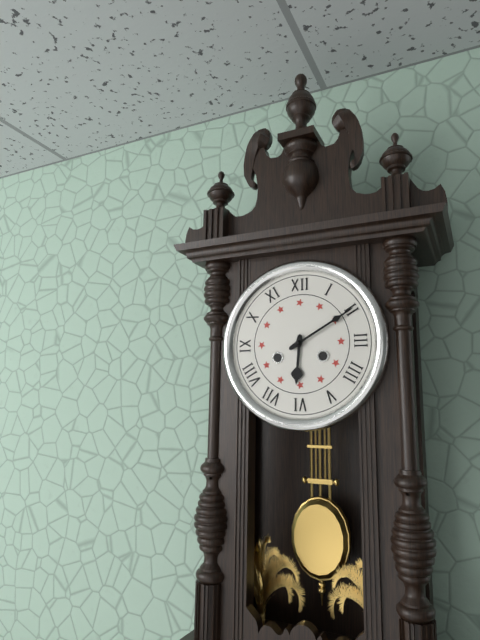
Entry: 6 h 10 min
